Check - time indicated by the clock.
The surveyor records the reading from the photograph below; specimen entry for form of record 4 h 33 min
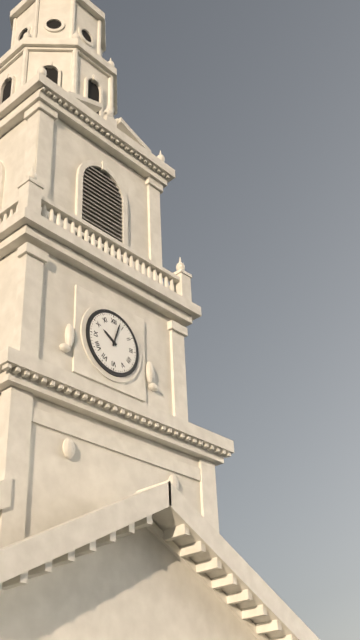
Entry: 10 h 03 min
